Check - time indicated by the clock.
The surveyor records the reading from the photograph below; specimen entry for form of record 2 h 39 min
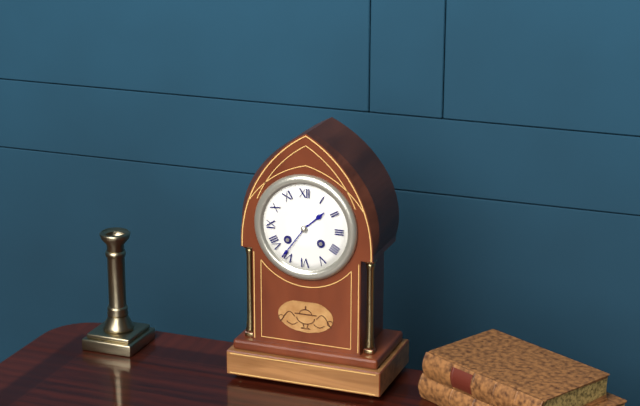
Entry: 1 h 36 min
